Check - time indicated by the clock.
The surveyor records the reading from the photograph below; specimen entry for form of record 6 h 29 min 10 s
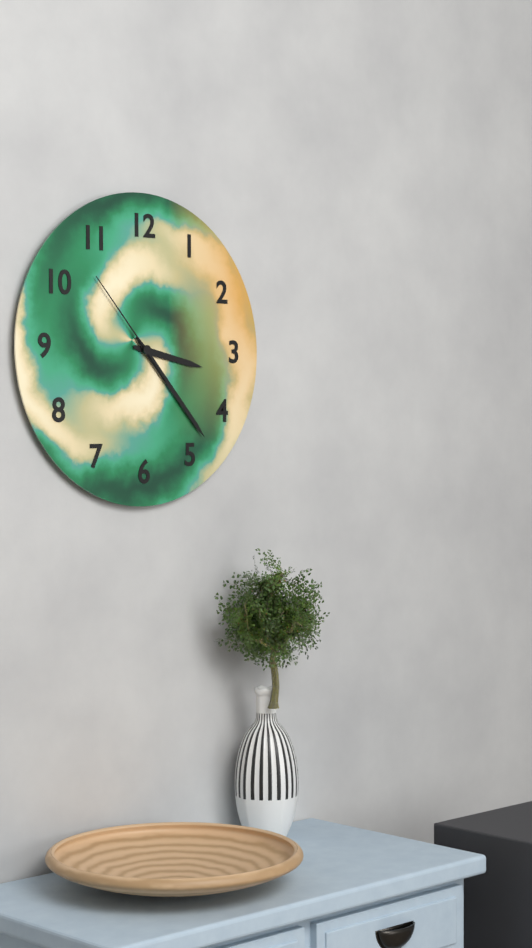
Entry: 3 h 23 min 53 s
